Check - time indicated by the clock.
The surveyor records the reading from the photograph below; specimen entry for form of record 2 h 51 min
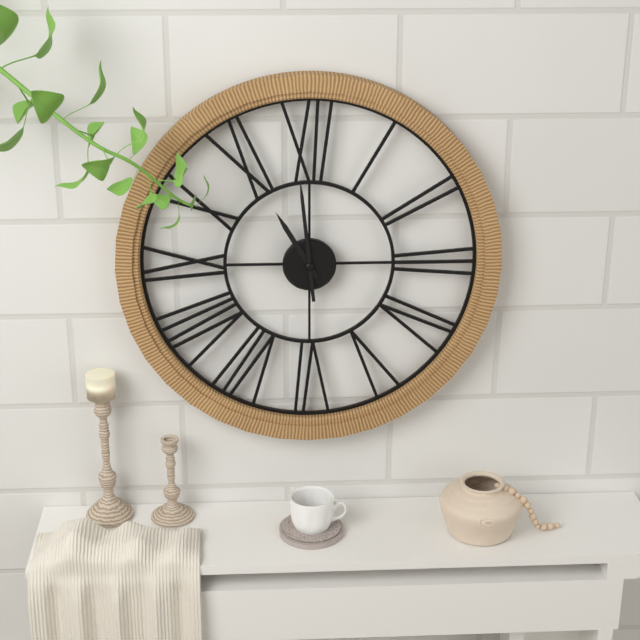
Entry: 10 h 59 min
